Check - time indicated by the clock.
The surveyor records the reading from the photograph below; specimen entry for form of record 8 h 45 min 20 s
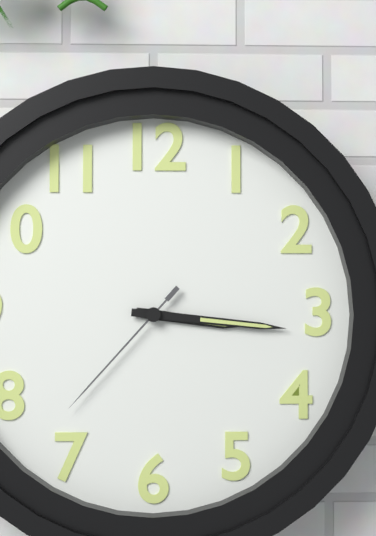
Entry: 3 h 16 min 37 s
